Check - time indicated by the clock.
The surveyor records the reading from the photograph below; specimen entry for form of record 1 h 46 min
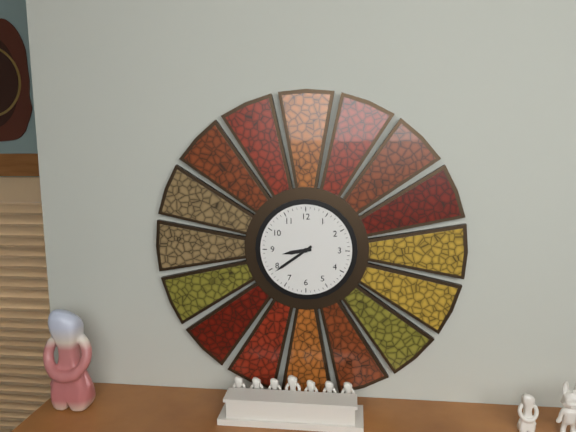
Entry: 8 h 39 min
